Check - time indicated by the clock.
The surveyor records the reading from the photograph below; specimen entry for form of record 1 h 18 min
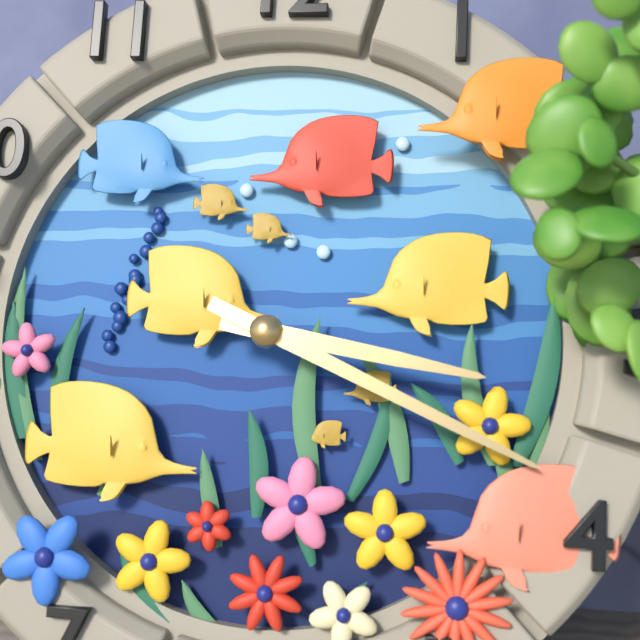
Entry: 3 h 19 min
